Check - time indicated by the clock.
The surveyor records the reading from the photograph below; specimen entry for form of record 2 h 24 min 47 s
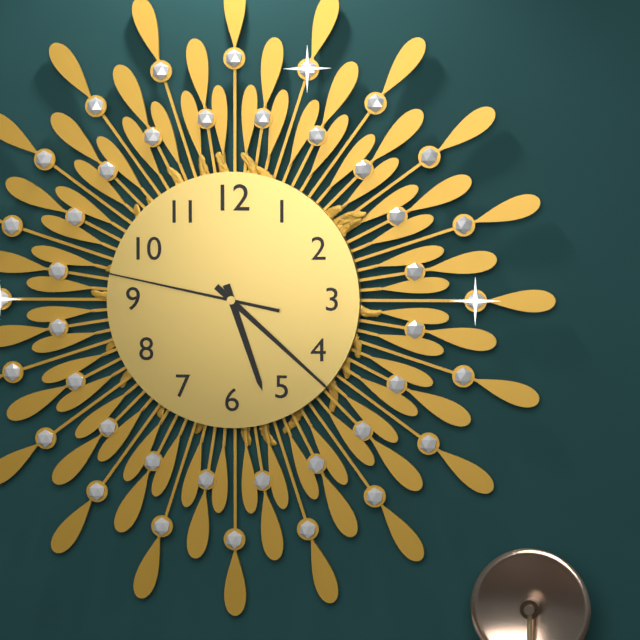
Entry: 5 h 22 min 47 s
